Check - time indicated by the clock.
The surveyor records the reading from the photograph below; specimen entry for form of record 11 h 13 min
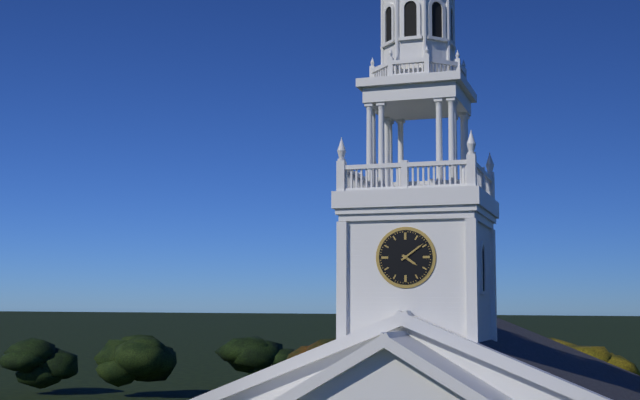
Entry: 4 h 09 min
